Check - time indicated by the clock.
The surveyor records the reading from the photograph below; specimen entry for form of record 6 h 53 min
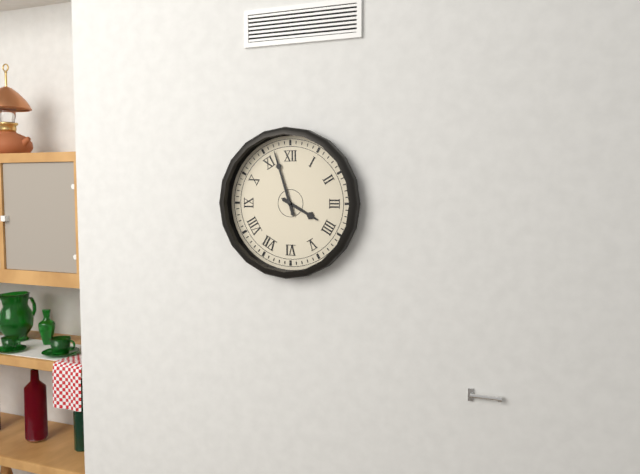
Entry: 3 h 57 min
